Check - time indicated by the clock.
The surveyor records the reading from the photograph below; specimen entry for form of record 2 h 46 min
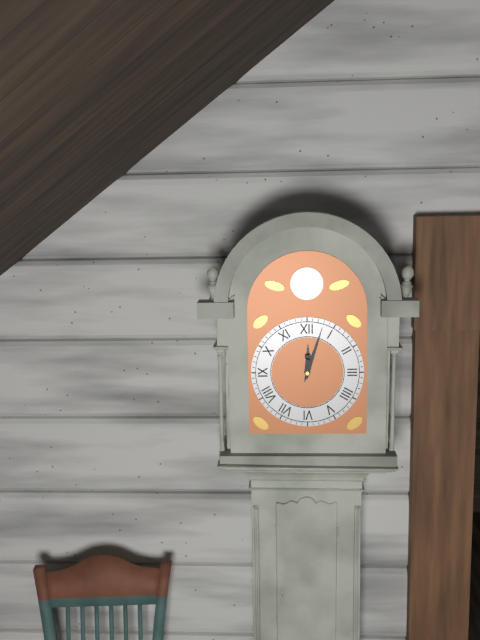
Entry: 12 h 03 min
